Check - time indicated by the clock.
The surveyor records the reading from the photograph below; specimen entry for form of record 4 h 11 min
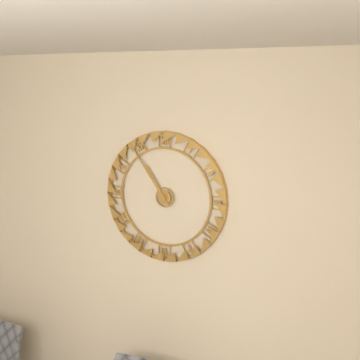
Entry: 10 h 54 min
